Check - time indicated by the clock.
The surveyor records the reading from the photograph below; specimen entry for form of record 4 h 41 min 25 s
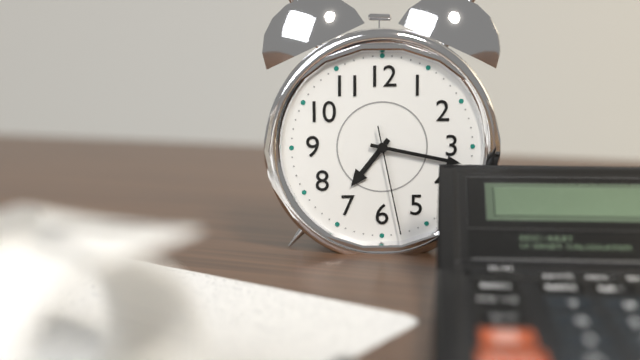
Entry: 7 h 17 min 28 s
